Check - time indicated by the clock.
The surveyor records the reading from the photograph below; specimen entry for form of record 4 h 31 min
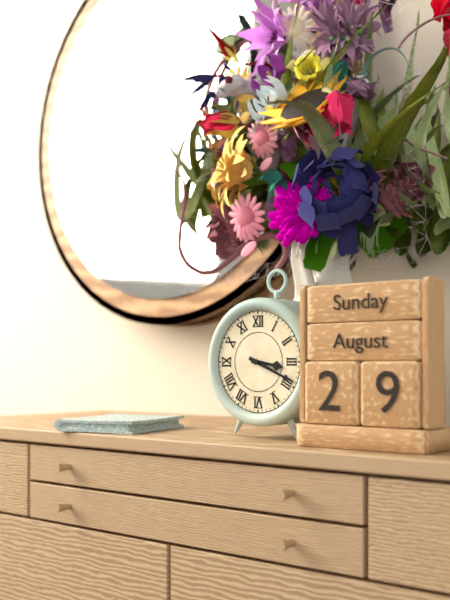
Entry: 3 h 19 min
